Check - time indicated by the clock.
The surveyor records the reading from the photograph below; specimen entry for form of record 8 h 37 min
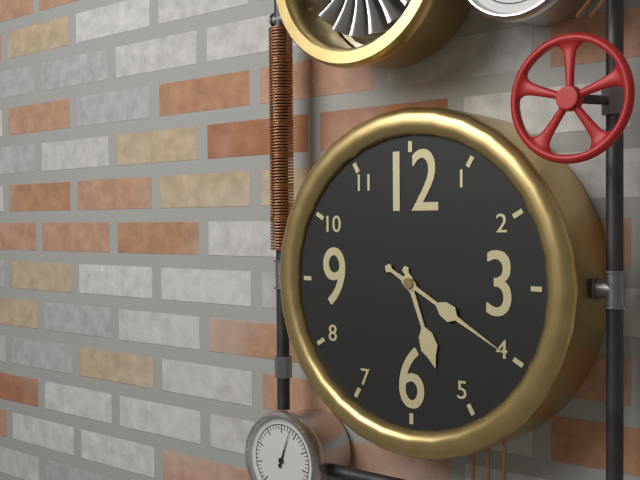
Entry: 5 h 20 min
